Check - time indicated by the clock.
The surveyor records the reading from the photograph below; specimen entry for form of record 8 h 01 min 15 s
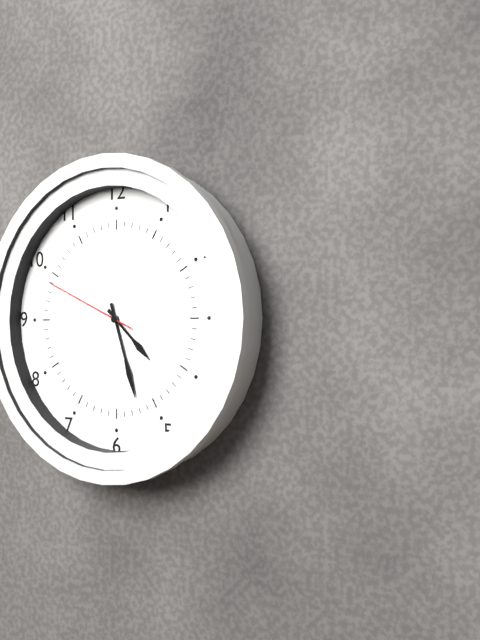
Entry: 4 h 27 min 49 s
